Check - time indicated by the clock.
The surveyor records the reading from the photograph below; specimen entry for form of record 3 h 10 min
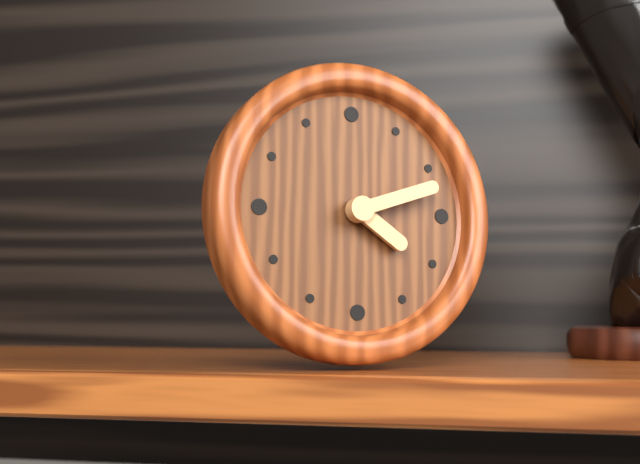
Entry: 4 h 12 min
